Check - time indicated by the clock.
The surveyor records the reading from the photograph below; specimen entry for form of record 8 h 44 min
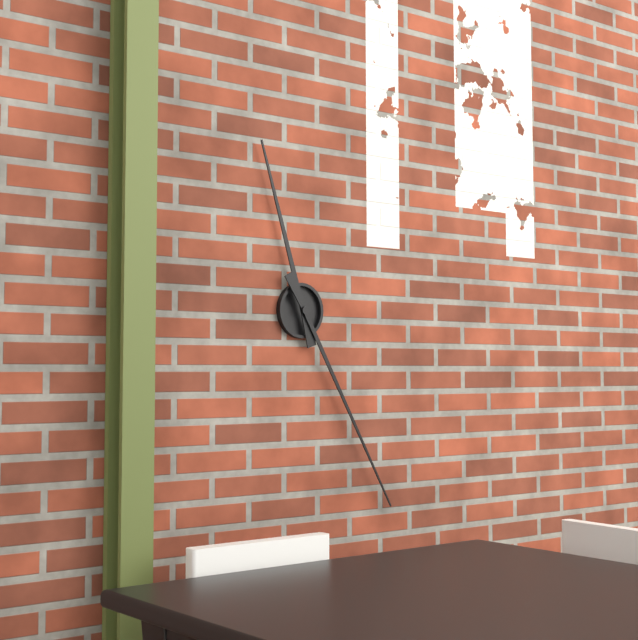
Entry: 11 h 25 min
